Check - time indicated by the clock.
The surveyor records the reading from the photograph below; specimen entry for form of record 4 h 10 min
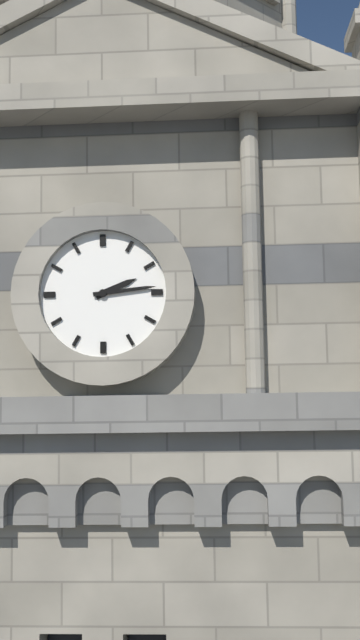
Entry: 2 h 14 min
